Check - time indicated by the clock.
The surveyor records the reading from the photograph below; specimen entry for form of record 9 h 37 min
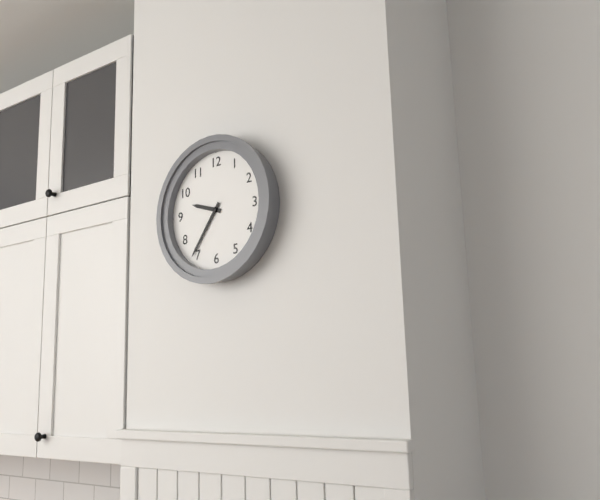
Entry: 9 h 36 min
